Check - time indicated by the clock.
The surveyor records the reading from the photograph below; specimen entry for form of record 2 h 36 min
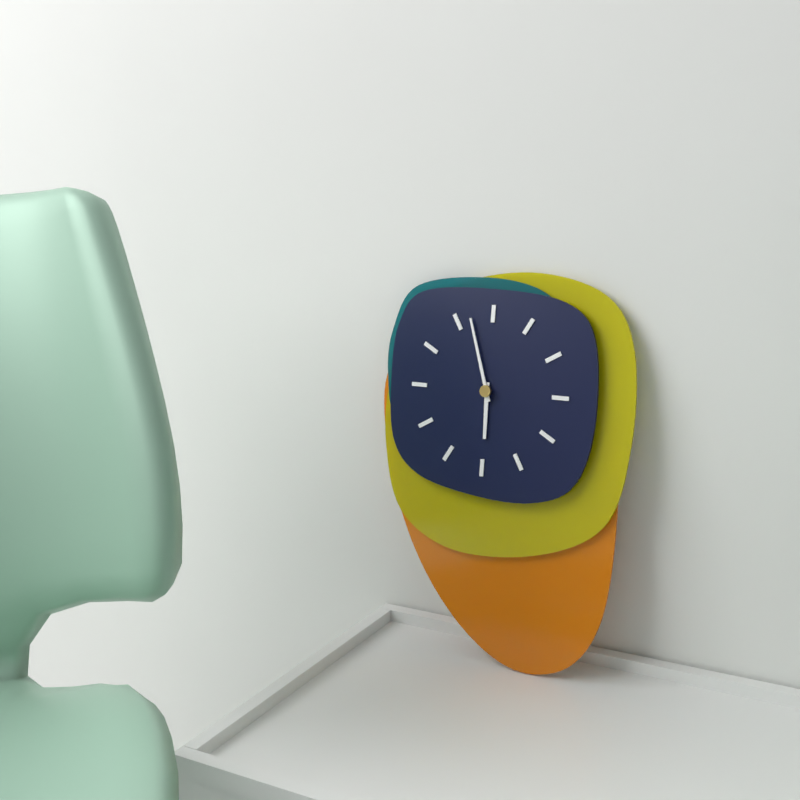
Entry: 5 h 57 min
